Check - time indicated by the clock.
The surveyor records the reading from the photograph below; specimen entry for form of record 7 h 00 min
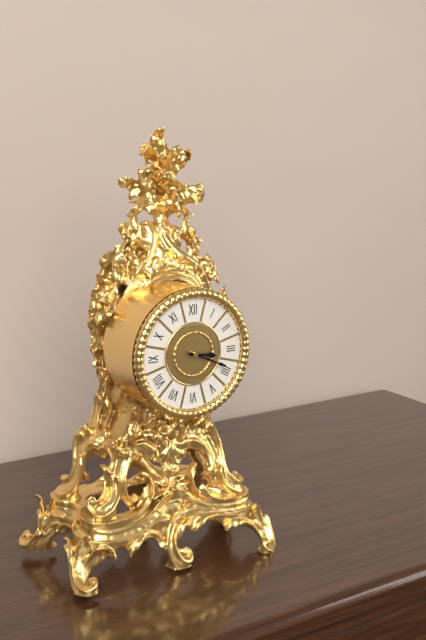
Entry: 3 h 19 min
